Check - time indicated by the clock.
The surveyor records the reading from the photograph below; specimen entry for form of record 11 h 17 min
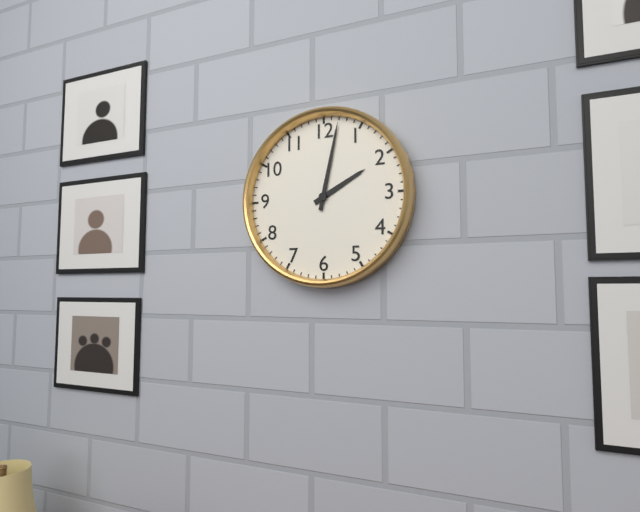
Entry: 2 h 02 min
